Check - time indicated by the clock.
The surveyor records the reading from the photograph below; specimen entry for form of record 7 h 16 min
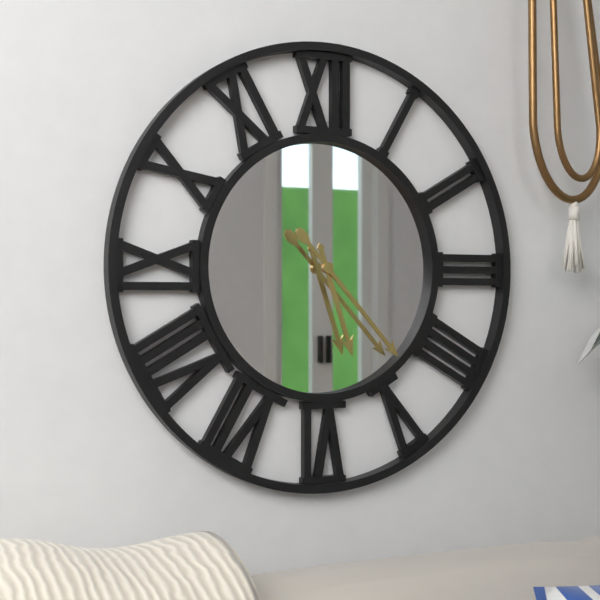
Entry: 5 h 23 min
